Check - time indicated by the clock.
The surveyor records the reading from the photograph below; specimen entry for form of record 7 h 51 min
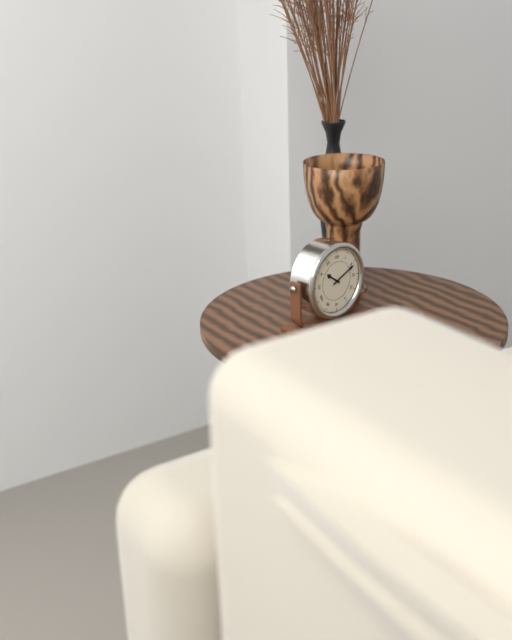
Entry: 10 h 11 min
